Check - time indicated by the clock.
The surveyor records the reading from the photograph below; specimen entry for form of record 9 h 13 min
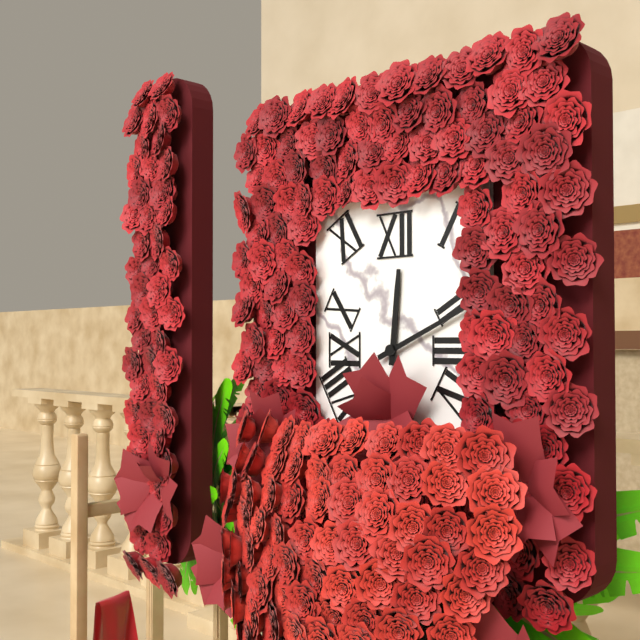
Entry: 12 h 11 min
